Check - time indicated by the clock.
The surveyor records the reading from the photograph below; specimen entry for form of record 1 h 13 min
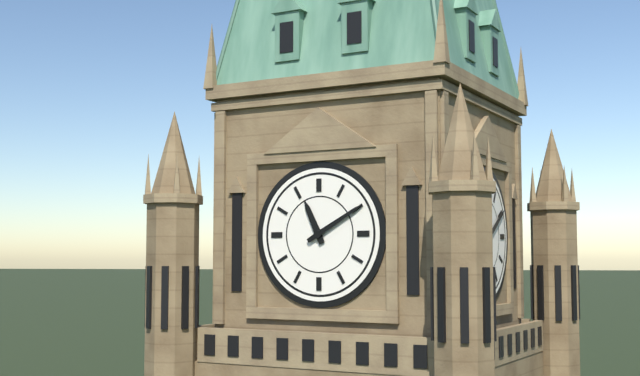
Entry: 11 h 10 min
